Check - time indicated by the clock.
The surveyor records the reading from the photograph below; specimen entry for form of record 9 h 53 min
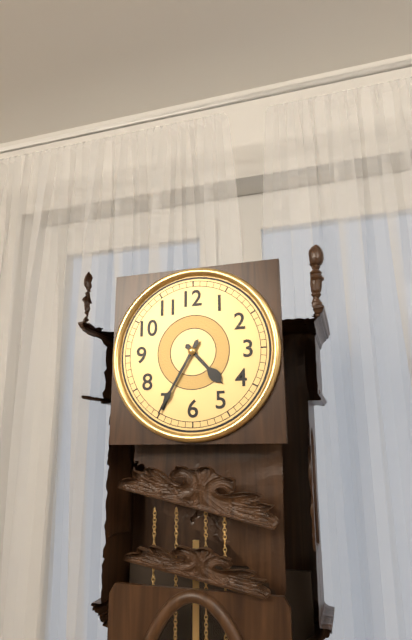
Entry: 4 h 35 min
